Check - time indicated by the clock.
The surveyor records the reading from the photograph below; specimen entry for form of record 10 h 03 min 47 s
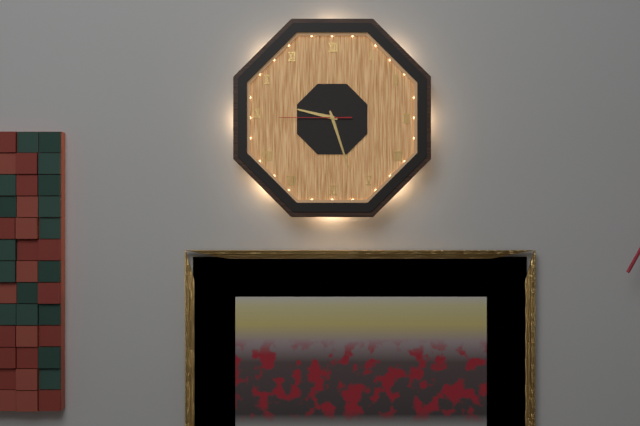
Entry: 9 h 27 min 45 s
